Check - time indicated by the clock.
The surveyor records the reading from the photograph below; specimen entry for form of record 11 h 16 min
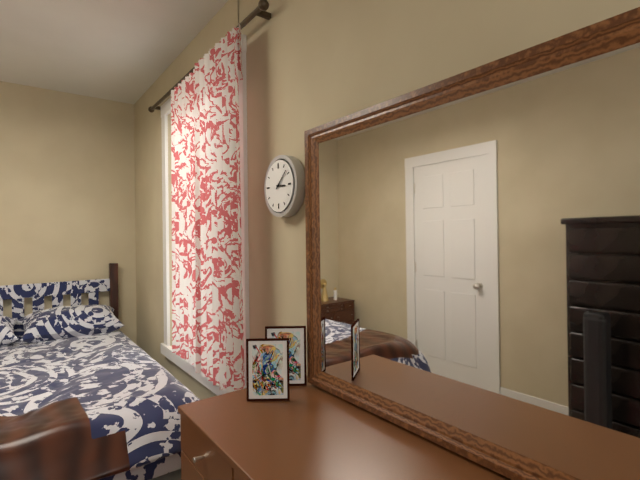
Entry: 3 h 08 min
